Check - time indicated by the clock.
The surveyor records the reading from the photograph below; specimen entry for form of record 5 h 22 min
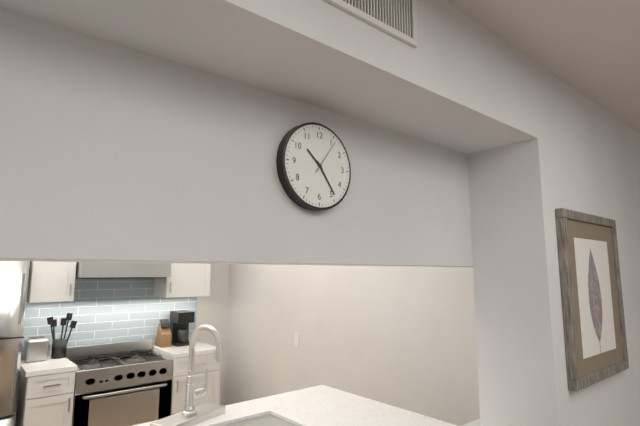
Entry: 10 h 24 min
